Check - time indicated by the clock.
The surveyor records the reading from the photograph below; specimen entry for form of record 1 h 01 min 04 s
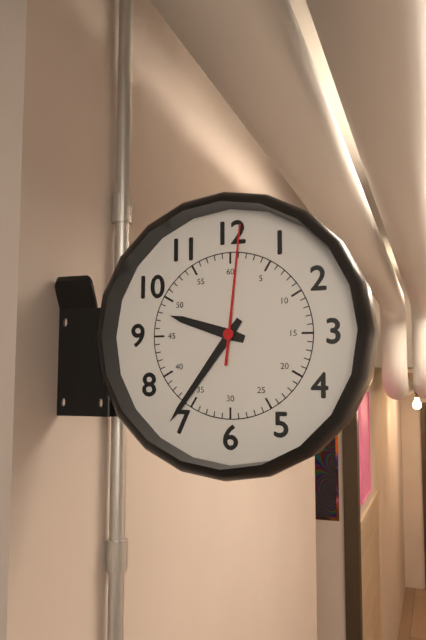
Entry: 9 h 36 min 01 s
